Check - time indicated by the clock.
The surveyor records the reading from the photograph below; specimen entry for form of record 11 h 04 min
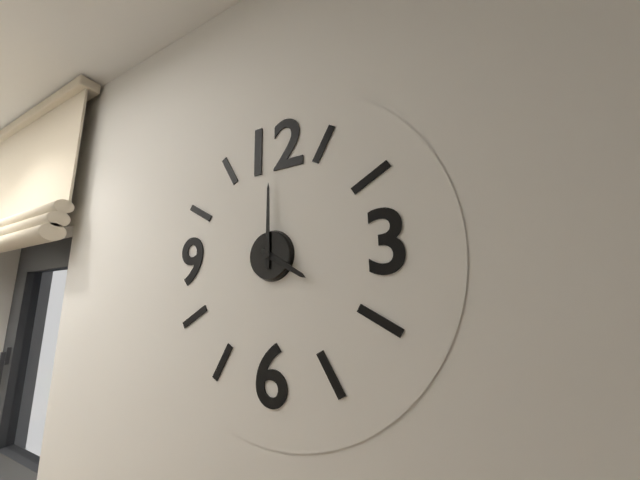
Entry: 4 h 00 min
